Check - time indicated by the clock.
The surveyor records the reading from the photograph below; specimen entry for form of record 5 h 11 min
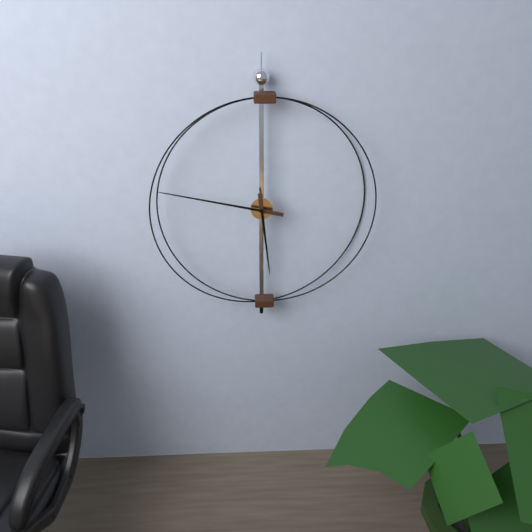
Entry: 5 h 47 min
